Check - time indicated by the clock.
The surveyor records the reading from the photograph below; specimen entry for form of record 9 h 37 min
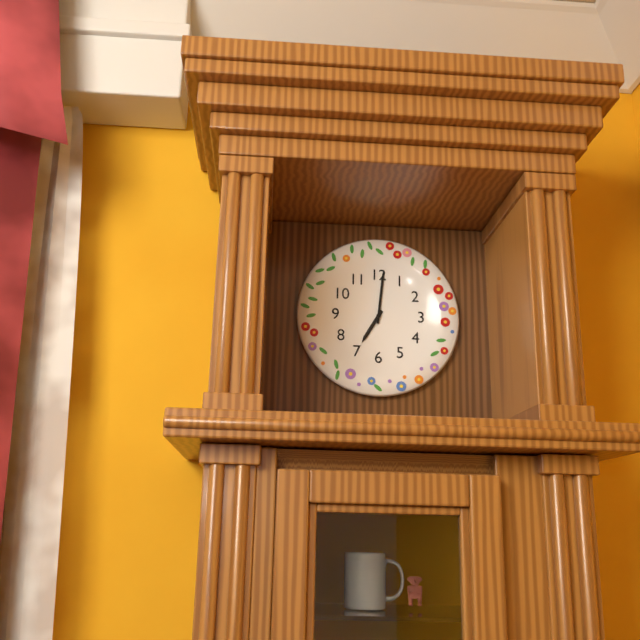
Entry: 7 h 01 min
